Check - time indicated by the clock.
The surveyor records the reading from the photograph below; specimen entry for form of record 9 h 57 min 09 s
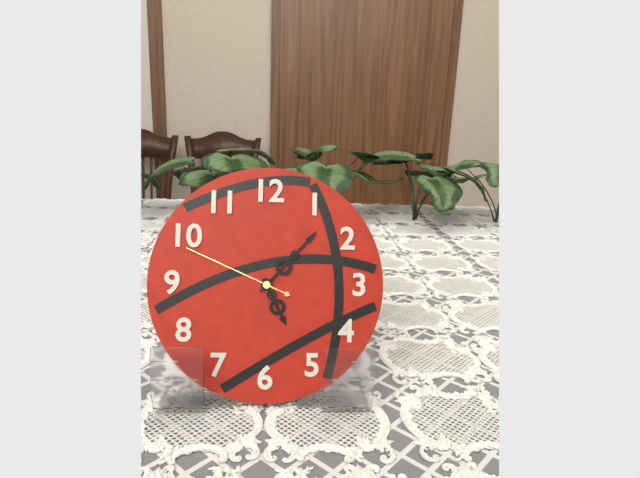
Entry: 5 h 07 min 49 s
